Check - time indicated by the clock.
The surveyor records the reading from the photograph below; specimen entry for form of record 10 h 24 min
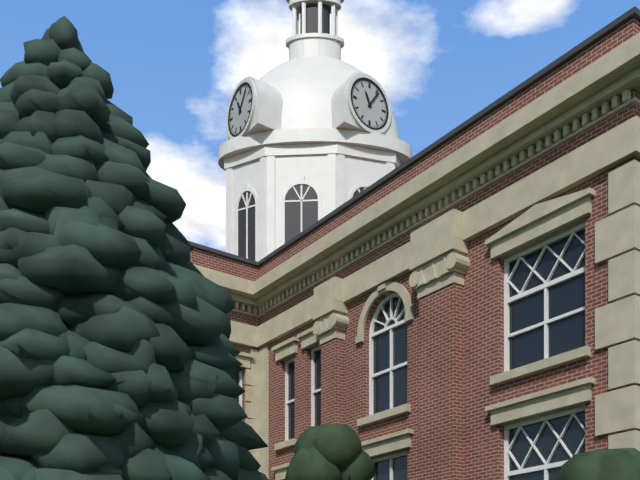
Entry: 11 h 06 min
